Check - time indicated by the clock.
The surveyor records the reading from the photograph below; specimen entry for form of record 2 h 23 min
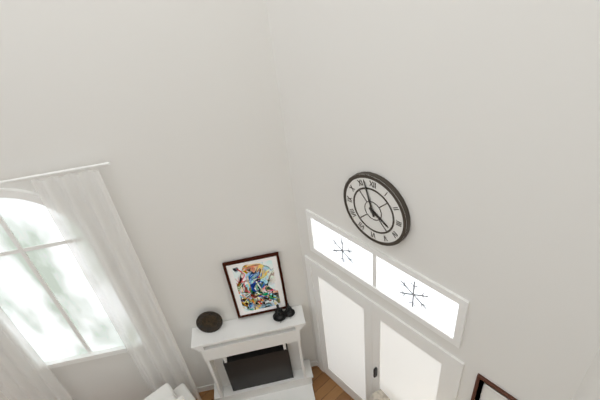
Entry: 3 h 57 min
